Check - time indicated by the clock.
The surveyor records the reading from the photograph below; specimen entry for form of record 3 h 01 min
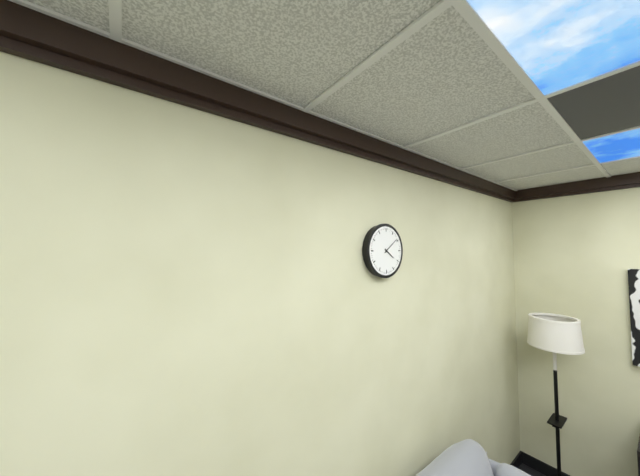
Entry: 4 h 09 min
